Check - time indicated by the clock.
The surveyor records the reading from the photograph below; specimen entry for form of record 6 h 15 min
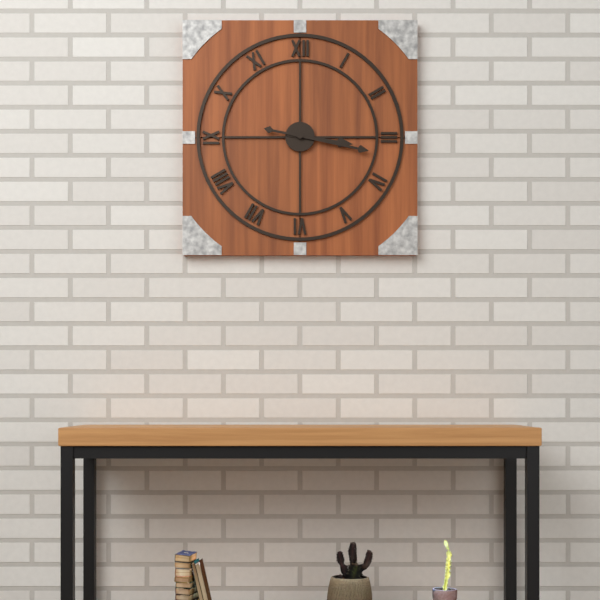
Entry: 3 h 17 min
